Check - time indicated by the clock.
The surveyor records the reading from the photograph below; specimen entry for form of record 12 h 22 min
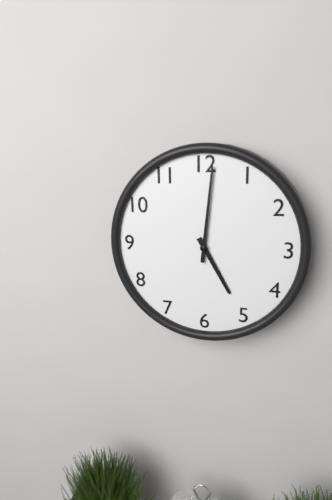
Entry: 5 h 01 min
